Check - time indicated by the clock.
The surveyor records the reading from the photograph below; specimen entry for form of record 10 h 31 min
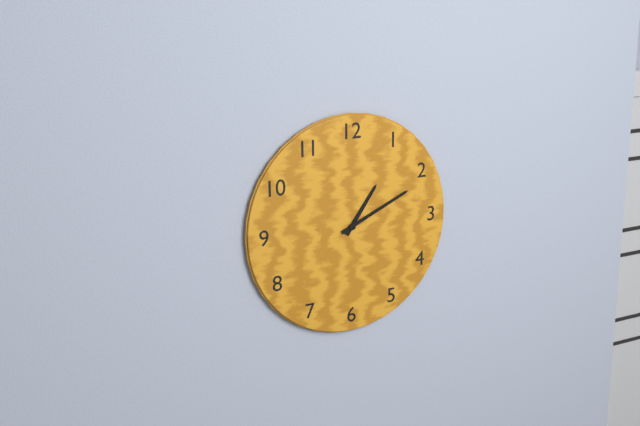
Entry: 1 h 11 min
